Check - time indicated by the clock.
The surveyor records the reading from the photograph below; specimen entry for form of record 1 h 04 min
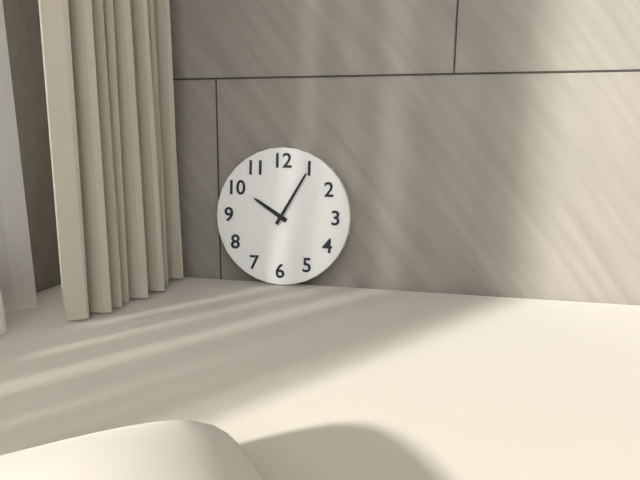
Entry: 10 h 05 min
